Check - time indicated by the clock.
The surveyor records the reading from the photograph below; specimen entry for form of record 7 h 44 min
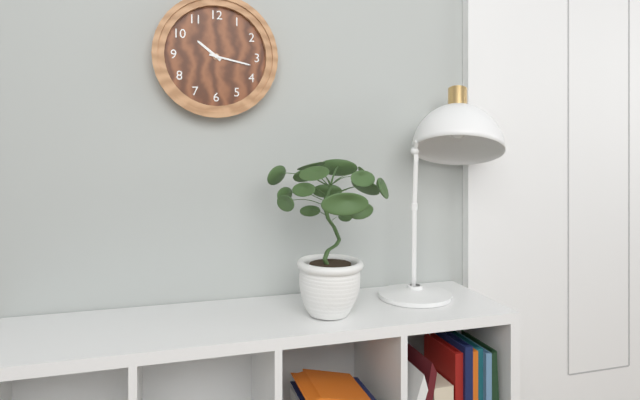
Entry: 10 h 17 min
